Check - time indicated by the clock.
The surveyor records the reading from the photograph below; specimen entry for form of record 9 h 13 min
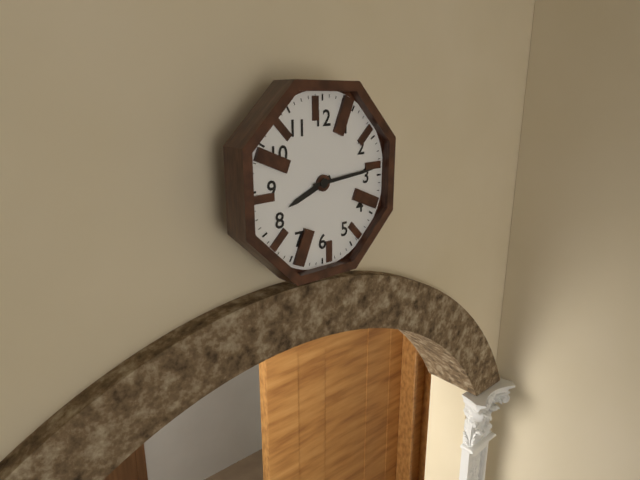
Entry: 8 h 14 min
